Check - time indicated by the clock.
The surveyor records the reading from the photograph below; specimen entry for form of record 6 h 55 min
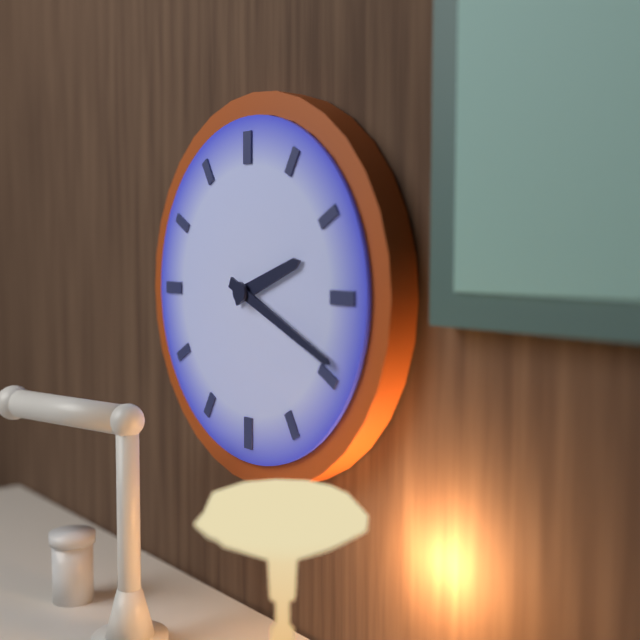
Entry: 2 h 19 min
